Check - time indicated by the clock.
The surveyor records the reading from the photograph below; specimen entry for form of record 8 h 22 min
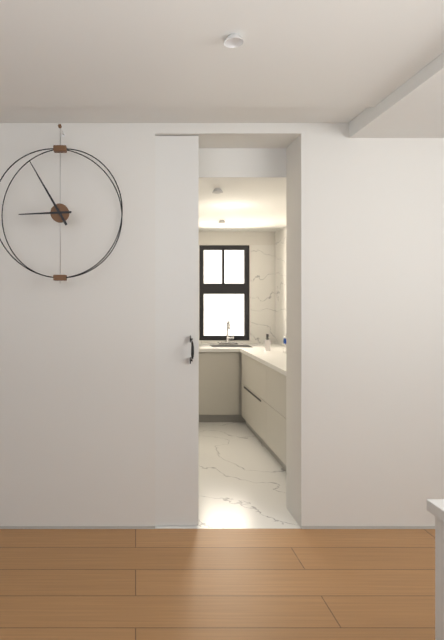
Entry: 8 h 55 min
